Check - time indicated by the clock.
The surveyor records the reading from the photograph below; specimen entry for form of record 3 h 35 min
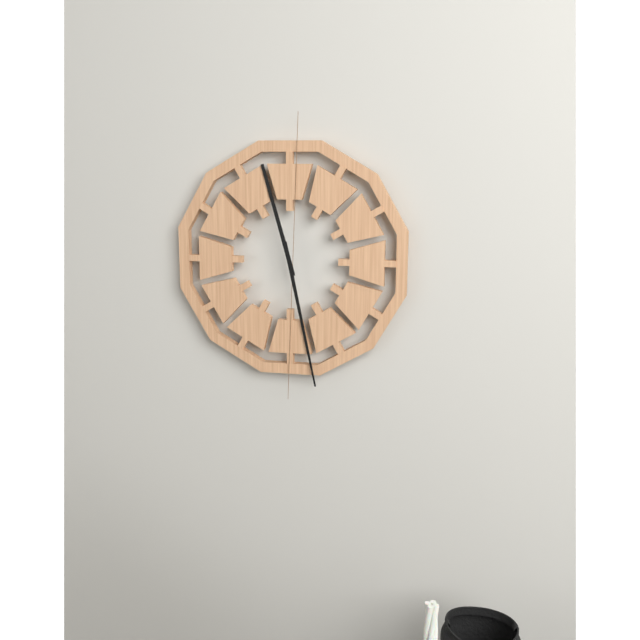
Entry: 11 h 28 min
